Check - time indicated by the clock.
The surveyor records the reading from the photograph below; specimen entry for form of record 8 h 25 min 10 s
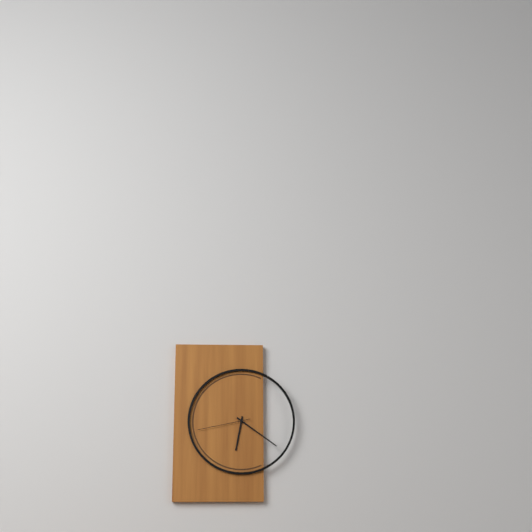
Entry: 6 h 21 min 43 s
